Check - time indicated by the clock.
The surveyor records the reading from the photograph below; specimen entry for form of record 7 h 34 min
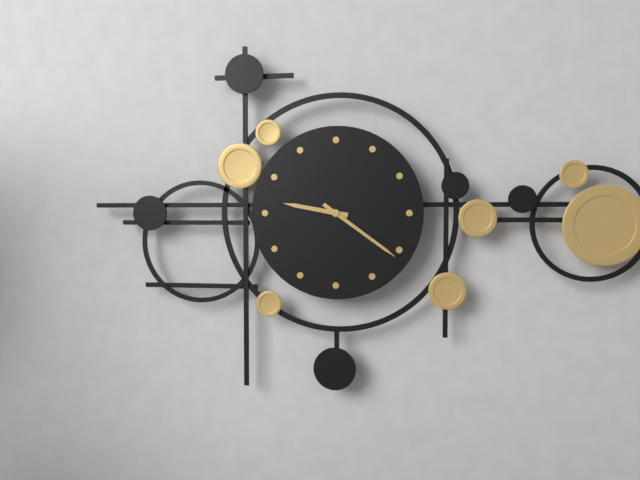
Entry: 9 h 21 min
